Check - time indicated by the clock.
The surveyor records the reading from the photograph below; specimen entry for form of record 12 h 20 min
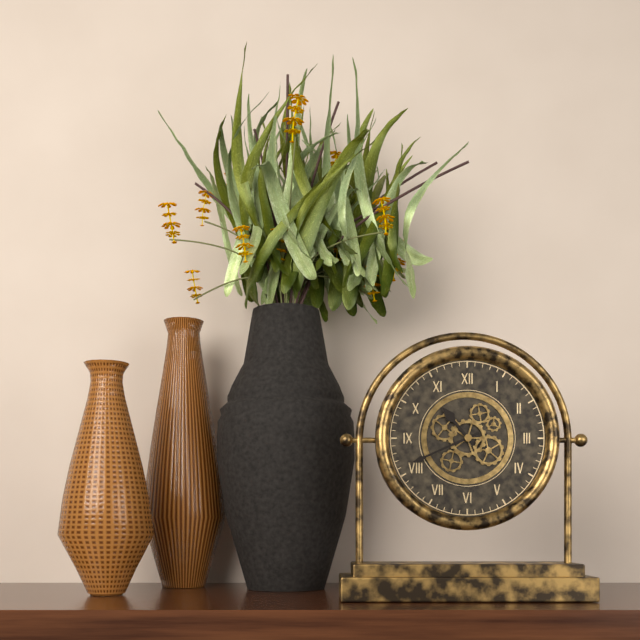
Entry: 10 h 41 min
